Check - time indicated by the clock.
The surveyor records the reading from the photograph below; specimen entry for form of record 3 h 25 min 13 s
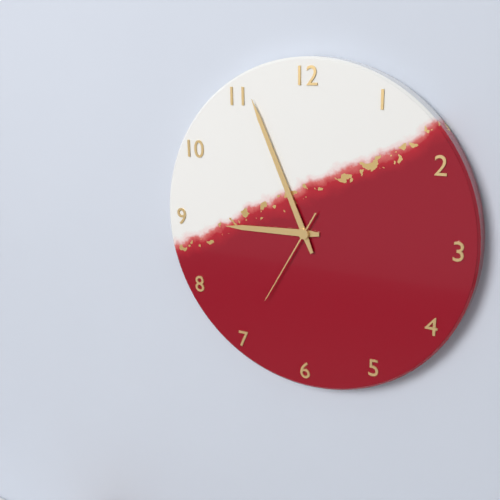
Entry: 8 h 56 min 35 s
